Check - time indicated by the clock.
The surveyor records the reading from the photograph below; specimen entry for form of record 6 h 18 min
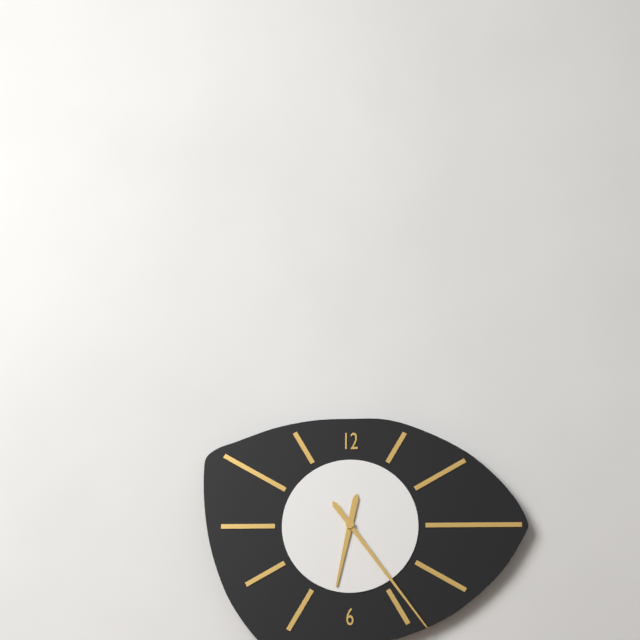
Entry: 6 h 24 min
